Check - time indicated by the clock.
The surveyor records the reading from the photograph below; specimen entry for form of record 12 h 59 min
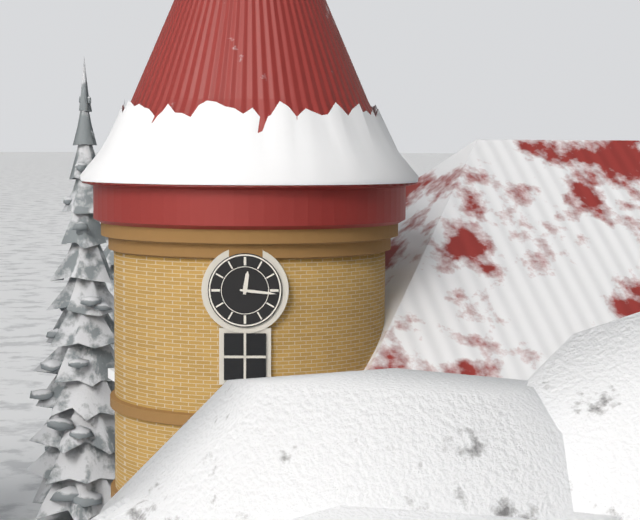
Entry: 12 h 16 min
